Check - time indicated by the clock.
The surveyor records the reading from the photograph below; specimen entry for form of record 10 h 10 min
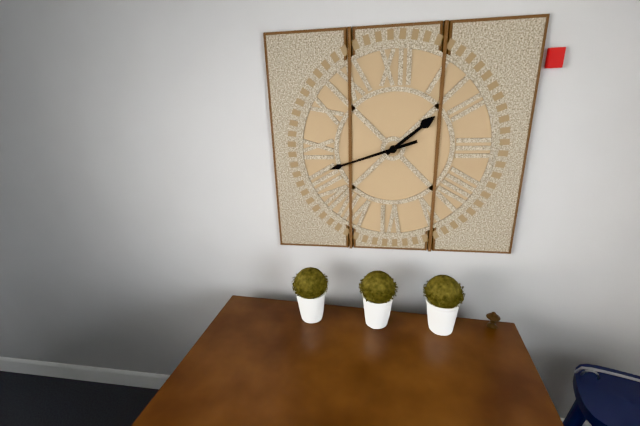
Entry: 1 h 42 min
